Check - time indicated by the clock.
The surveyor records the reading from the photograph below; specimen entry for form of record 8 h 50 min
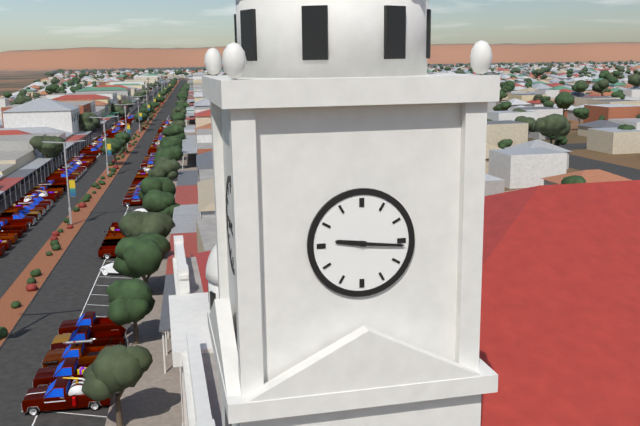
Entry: 9 h 16 min
